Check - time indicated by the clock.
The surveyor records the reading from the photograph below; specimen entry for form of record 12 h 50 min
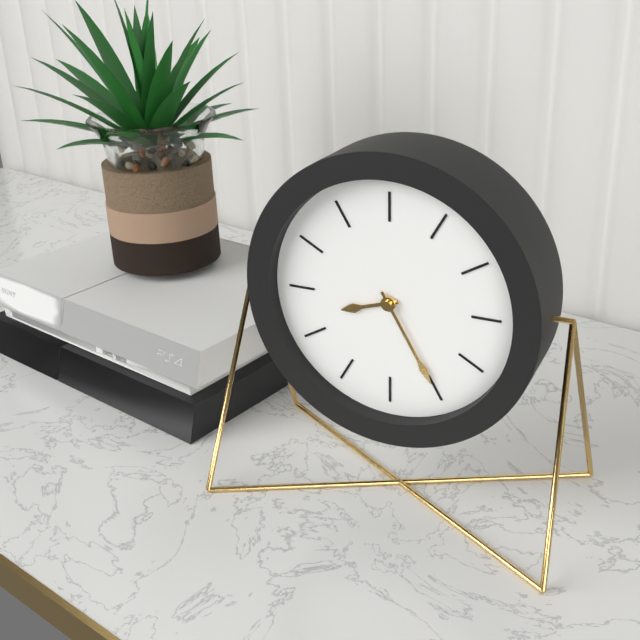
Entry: 8 h 25 min
